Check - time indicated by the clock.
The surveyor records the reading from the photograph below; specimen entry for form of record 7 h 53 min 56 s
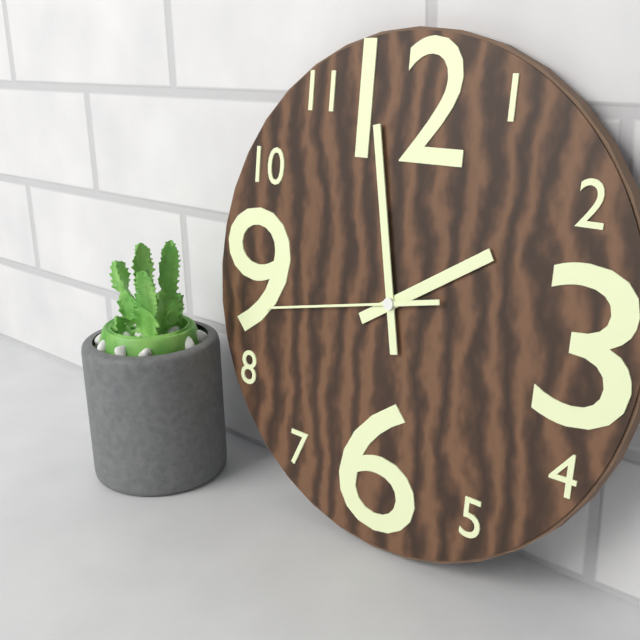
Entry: 1 h 58 min 43 s
